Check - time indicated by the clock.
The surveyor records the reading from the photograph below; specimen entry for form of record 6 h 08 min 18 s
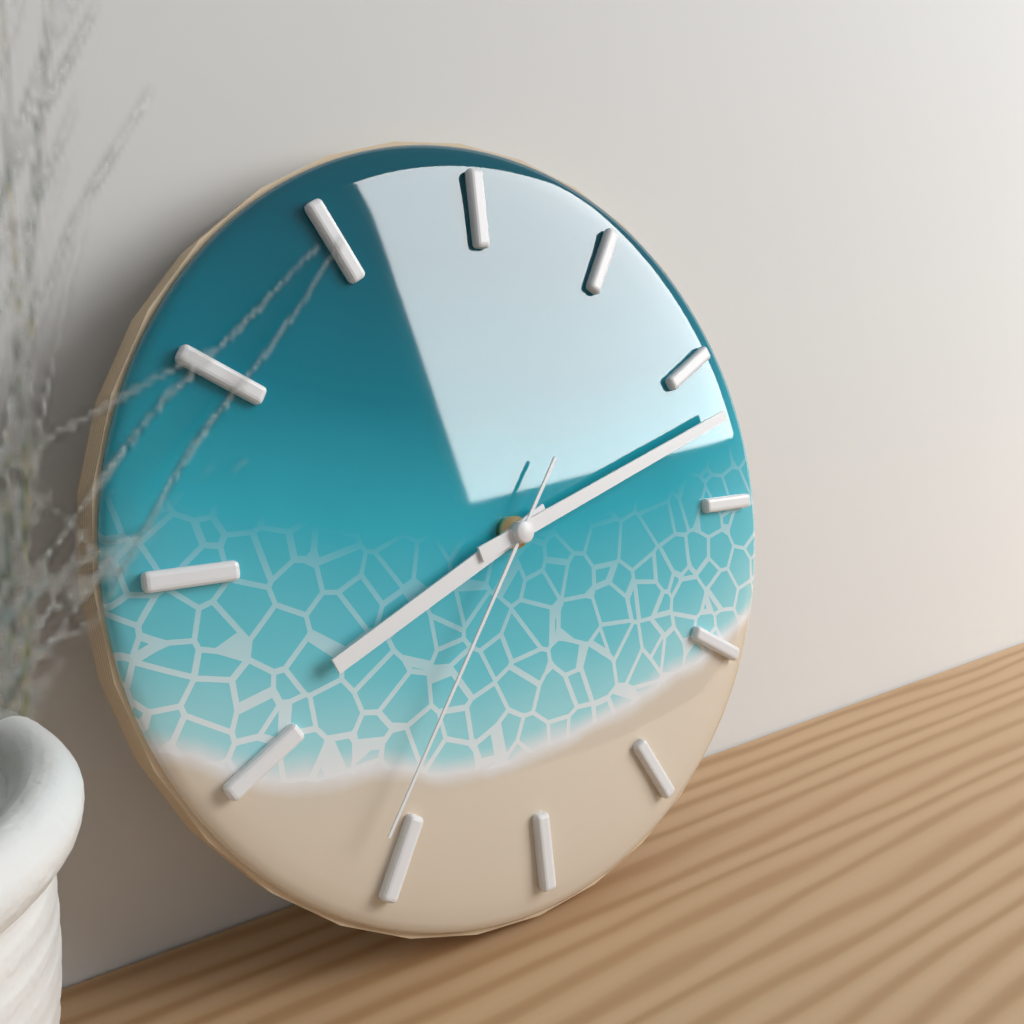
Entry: 8 h 12 min 36 s
